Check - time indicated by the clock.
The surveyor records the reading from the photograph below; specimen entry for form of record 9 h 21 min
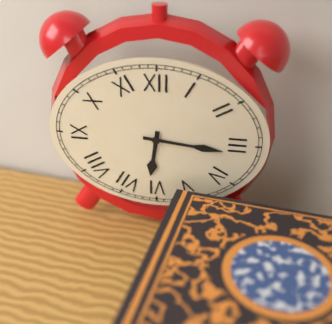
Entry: 6 h 16 min
